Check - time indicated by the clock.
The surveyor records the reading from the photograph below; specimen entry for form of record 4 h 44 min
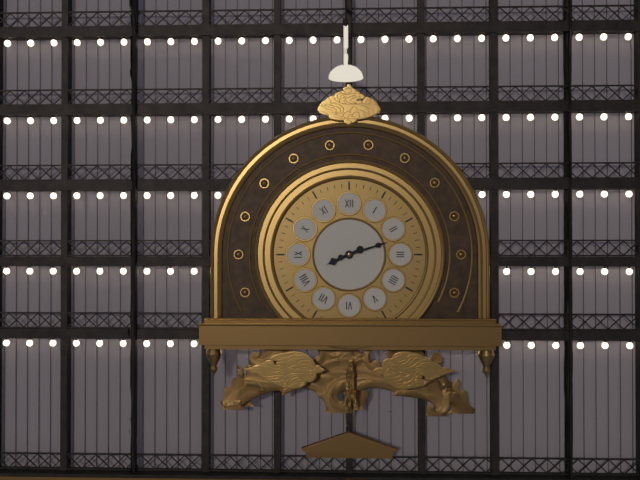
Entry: 8 h 12 min
